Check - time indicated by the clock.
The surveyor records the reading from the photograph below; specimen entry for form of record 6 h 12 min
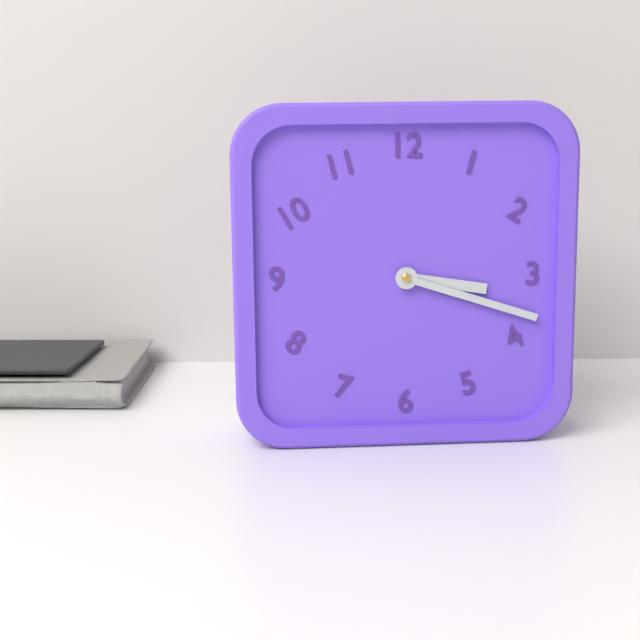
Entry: 3 h 18 min
